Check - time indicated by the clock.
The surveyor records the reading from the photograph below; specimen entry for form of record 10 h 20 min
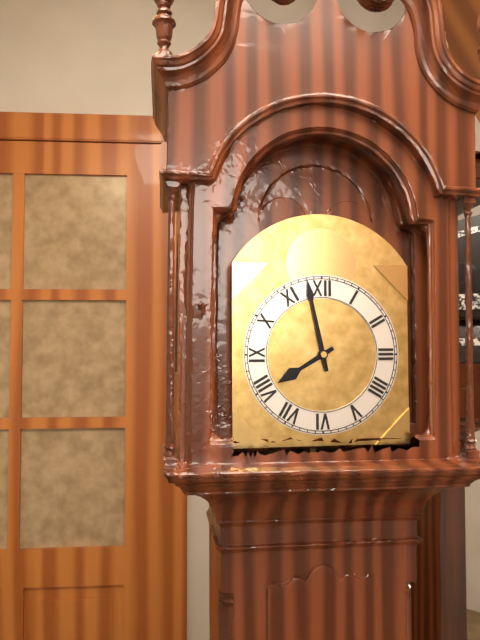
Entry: 7 h 58 min
